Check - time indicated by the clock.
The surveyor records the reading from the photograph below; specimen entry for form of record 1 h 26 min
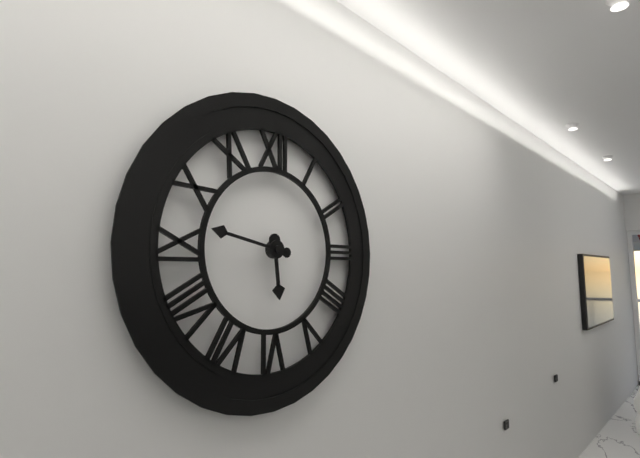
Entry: 5 h 47 min
